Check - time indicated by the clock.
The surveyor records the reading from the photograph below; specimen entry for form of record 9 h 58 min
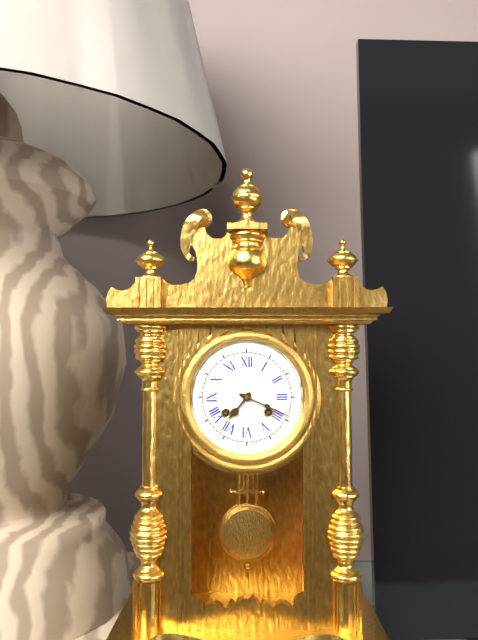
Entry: 7 h 19 min
